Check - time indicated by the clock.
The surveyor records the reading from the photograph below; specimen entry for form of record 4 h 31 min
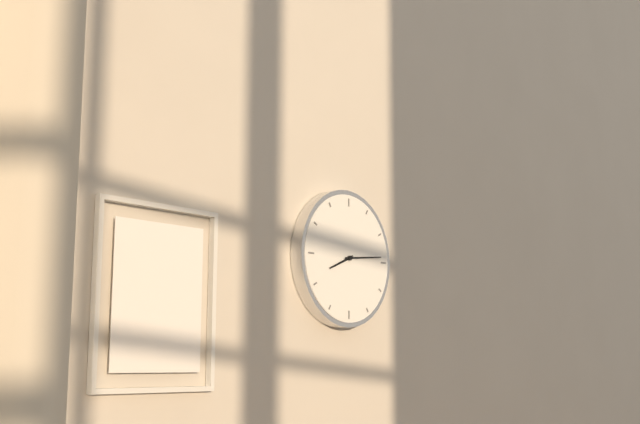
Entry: 8 h 14 min
